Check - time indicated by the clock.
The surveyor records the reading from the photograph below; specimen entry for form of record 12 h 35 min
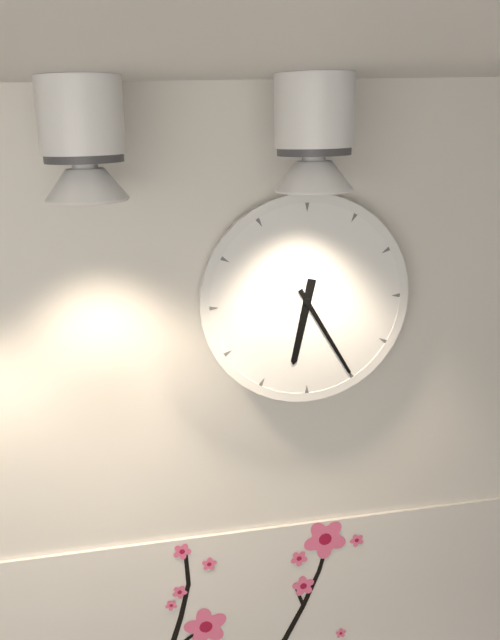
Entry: 6 h 25 min
